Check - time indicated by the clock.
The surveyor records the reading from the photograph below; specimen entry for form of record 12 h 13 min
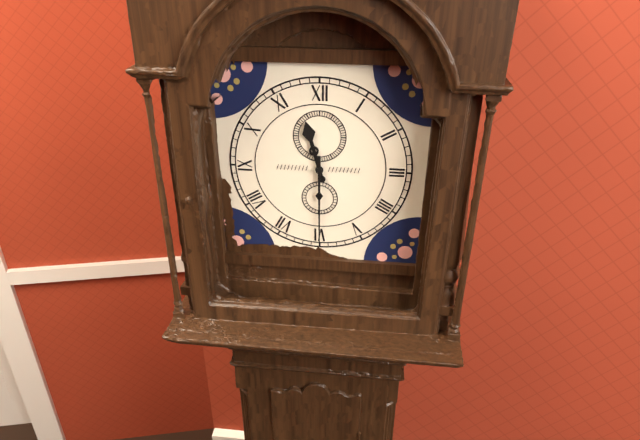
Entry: 11 h 30 min
